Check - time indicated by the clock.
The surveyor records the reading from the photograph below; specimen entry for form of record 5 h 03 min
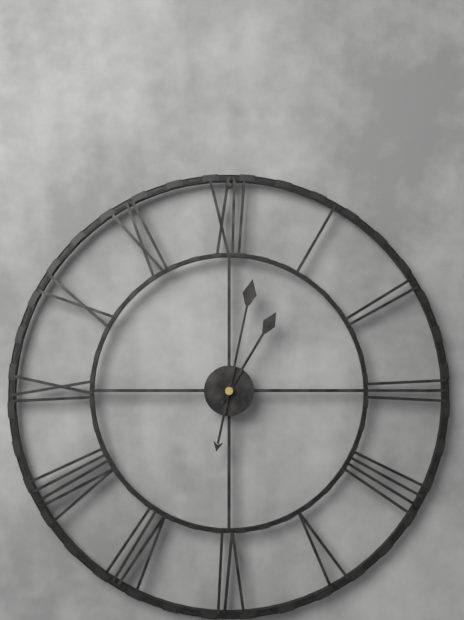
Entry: 1 h 02 min
